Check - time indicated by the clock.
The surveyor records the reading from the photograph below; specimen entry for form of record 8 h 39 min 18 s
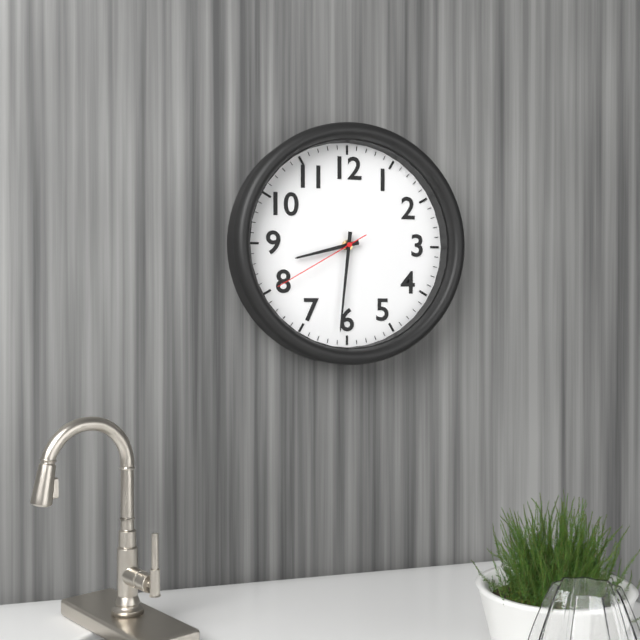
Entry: 8 h 31 min 40 s
